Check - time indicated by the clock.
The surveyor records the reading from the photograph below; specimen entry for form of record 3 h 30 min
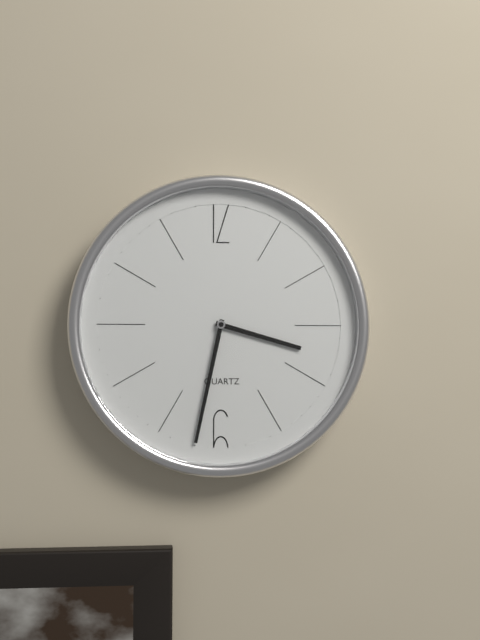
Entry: 3 h 32 min
